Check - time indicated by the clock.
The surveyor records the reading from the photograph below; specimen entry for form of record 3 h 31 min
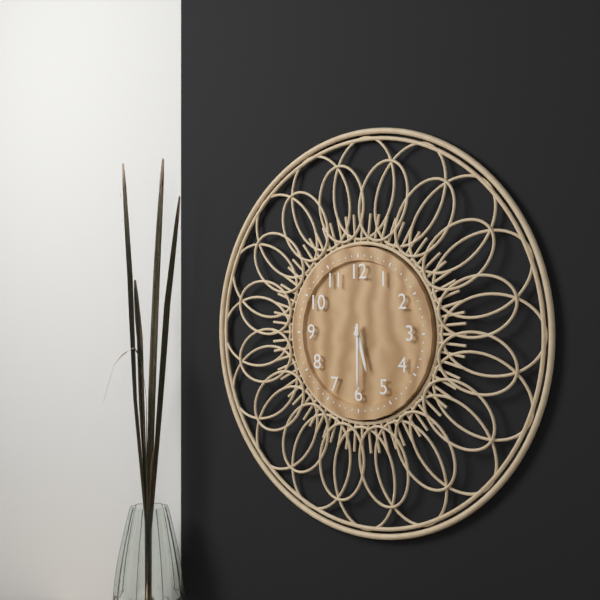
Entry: 5 h 30 min
